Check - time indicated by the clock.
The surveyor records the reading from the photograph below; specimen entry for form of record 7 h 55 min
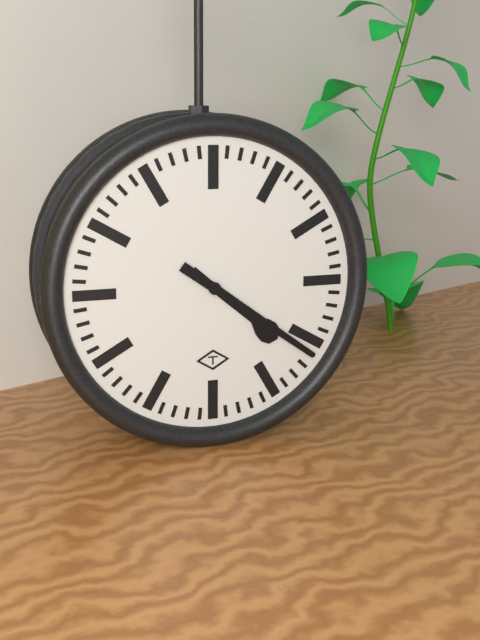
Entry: 4 h 21 min
